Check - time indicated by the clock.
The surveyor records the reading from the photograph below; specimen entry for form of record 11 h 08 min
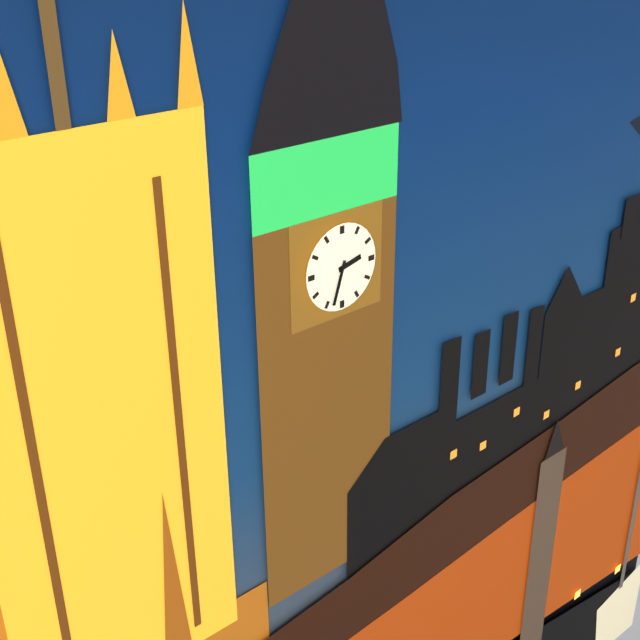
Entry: 2 h 33 min
